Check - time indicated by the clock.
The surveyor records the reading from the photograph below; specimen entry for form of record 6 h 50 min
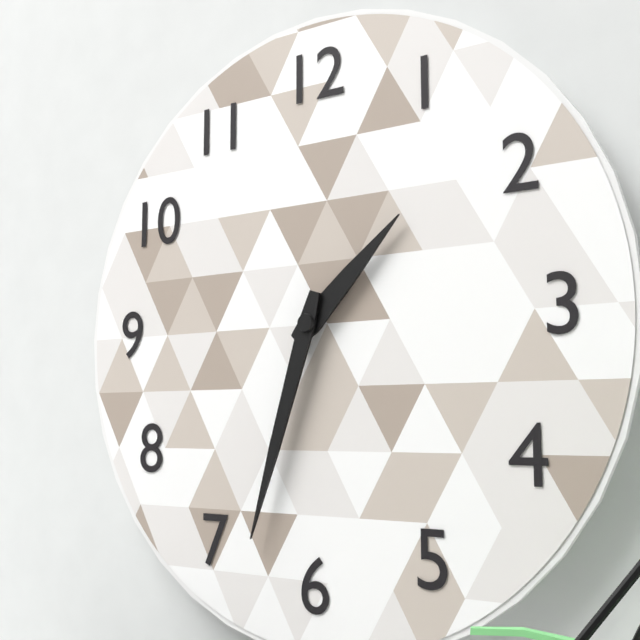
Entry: 1 h 33 min
